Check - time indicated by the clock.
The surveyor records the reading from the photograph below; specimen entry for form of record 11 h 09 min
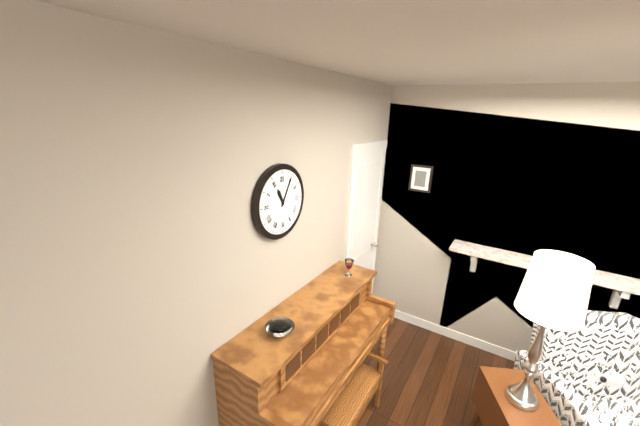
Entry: 11 h 05 min
